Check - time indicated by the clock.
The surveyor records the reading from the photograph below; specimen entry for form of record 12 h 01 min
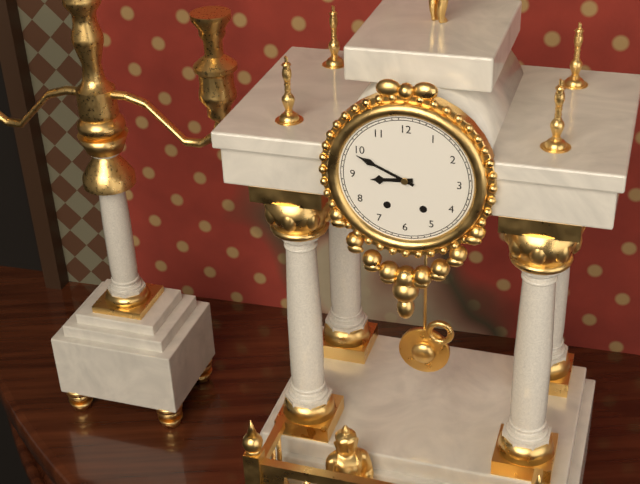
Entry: 8 h 49 min
